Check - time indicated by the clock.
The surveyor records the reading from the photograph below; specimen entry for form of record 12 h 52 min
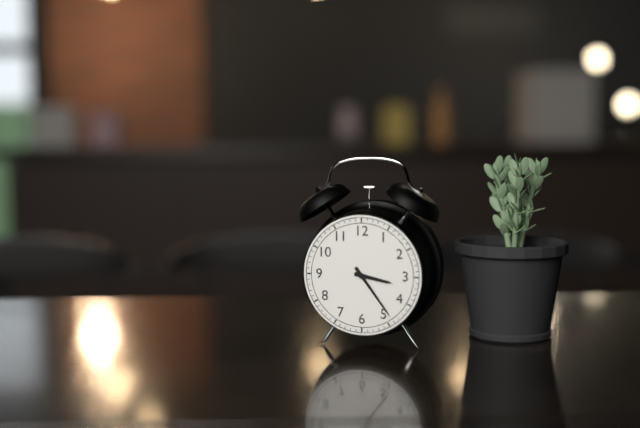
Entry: 3 h 24 min
